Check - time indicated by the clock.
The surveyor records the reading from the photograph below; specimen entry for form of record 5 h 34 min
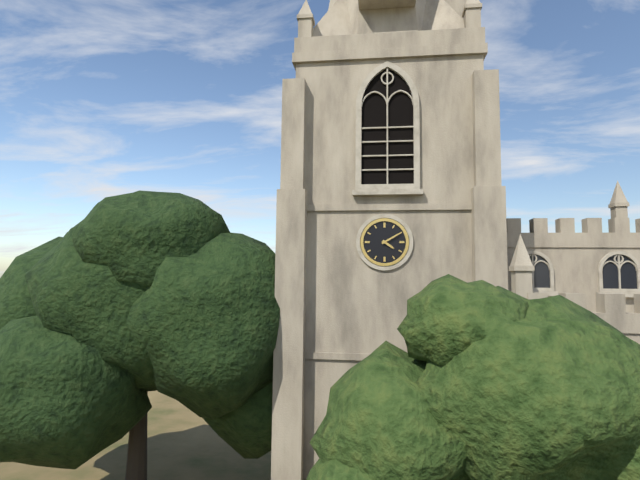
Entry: 4 h 10 min
